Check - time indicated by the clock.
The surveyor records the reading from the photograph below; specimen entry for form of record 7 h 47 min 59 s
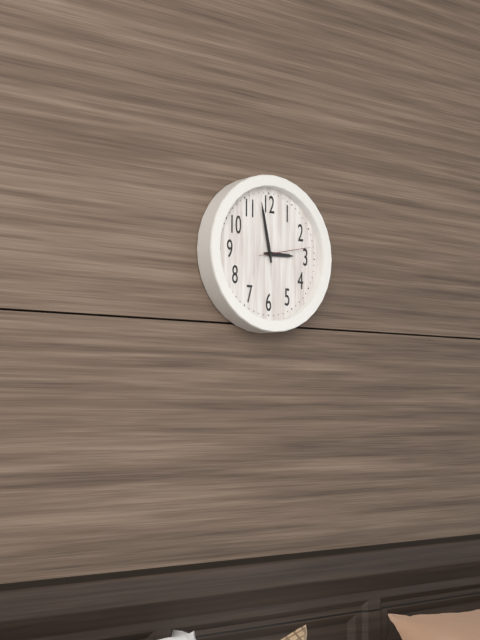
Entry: 2 h 58 min 13 s
